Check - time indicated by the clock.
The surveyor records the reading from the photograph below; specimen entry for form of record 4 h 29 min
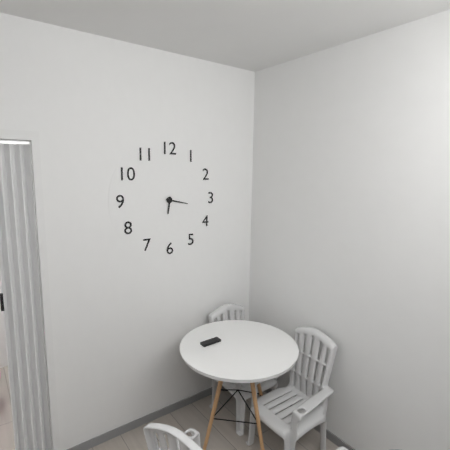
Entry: 6 h 17 min
